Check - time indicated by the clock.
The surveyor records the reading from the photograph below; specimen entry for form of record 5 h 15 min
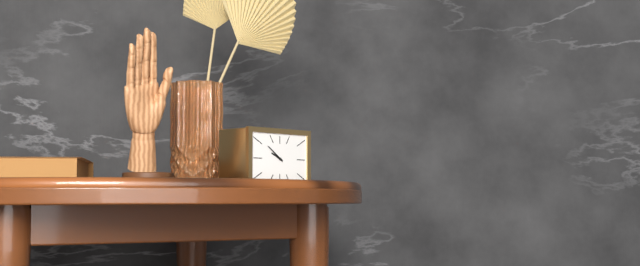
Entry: 9 h 51 min
